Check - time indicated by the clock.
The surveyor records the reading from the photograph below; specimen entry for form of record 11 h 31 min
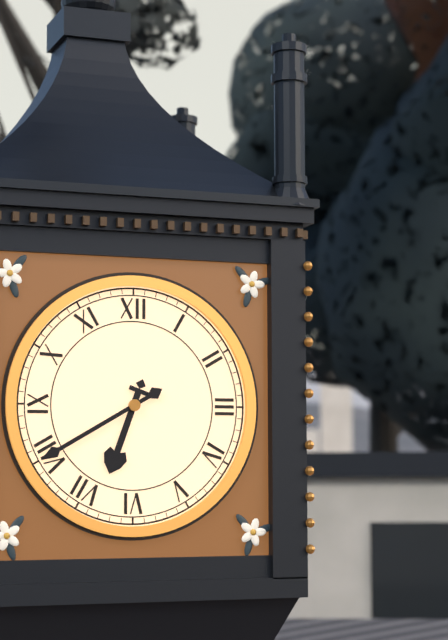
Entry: 6 h 40 min
